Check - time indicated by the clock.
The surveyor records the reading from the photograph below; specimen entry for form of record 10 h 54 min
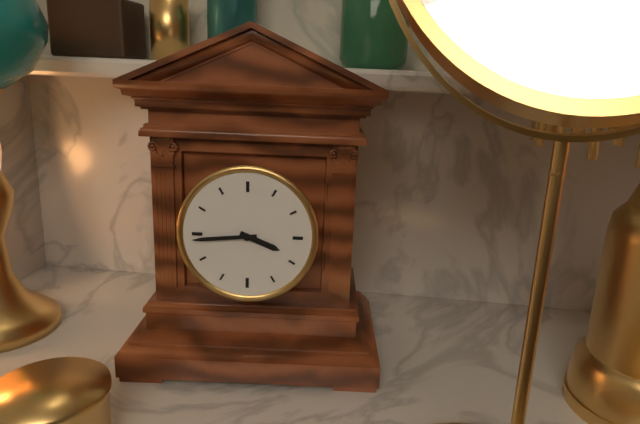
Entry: 3 h 44 min
